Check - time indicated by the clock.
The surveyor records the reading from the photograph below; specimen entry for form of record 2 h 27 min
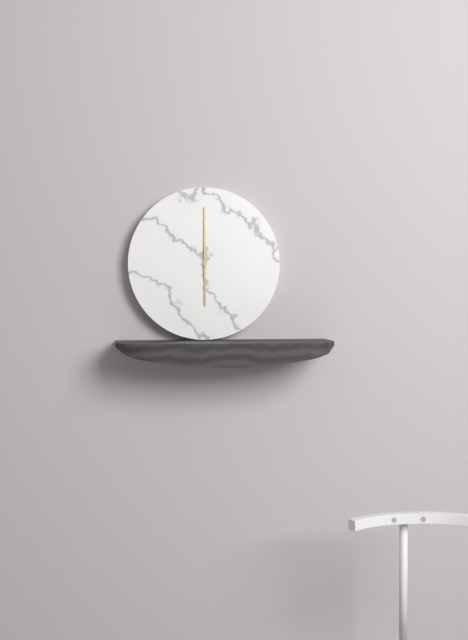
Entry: 6 h 00 min
